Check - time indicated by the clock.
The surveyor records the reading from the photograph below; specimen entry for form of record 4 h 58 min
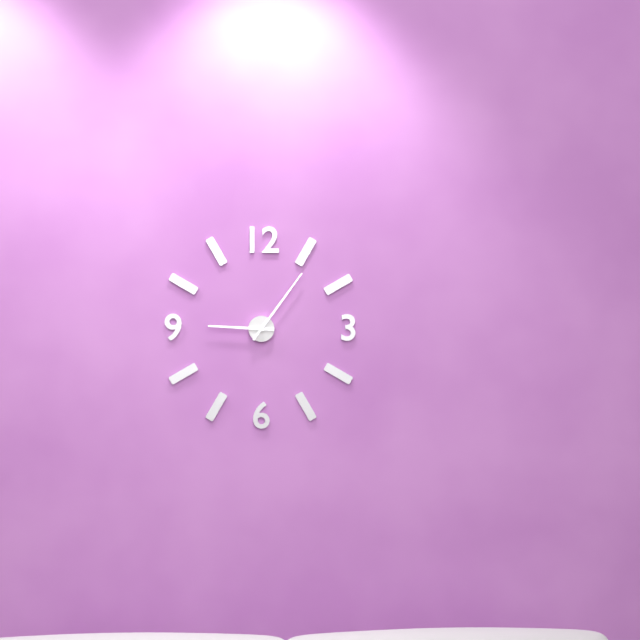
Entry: 9 h 06 min
